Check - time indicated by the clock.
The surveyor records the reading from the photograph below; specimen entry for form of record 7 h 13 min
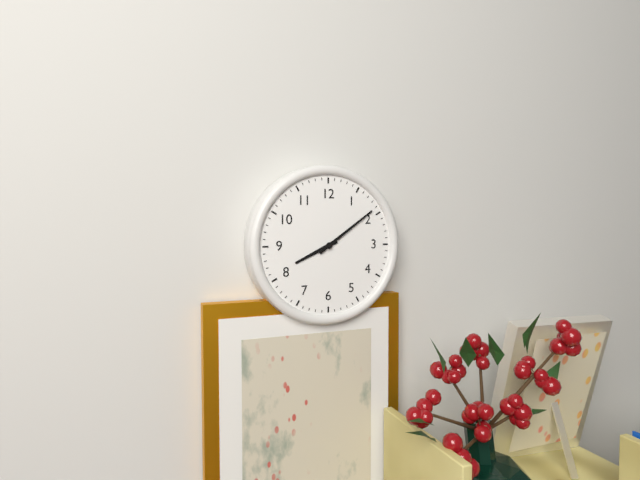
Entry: 8 h 09 min
